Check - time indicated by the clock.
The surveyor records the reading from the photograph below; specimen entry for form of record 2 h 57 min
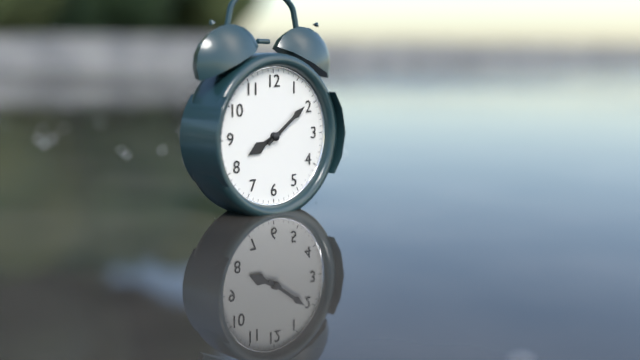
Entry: 8 h 09 min
